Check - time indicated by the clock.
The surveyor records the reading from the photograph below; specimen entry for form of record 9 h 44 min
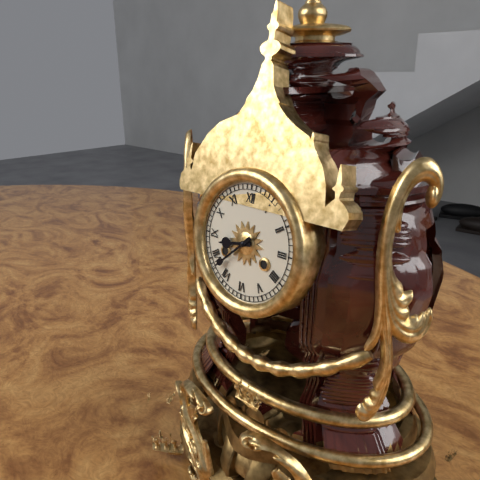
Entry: 8 h 38 min
